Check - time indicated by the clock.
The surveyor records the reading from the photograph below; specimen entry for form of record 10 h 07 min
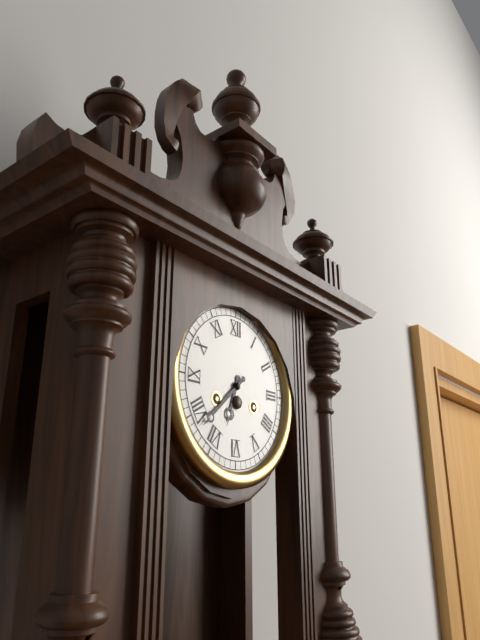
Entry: 6 h 38 min
